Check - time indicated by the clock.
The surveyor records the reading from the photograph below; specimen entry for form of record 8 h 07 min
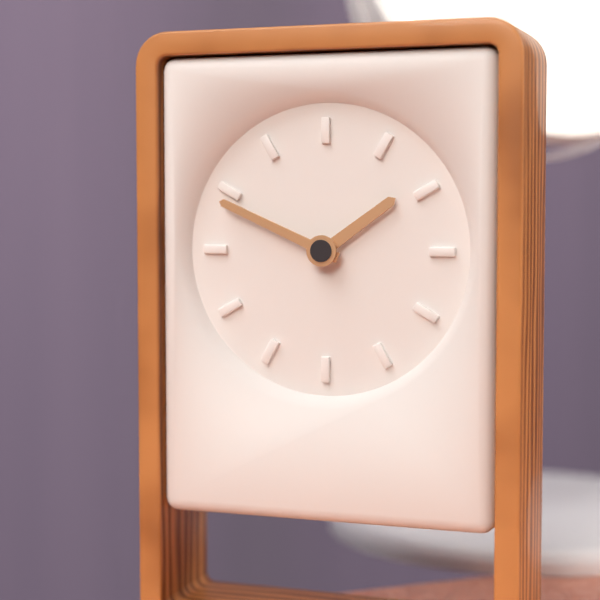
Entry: 1 h 49 min
